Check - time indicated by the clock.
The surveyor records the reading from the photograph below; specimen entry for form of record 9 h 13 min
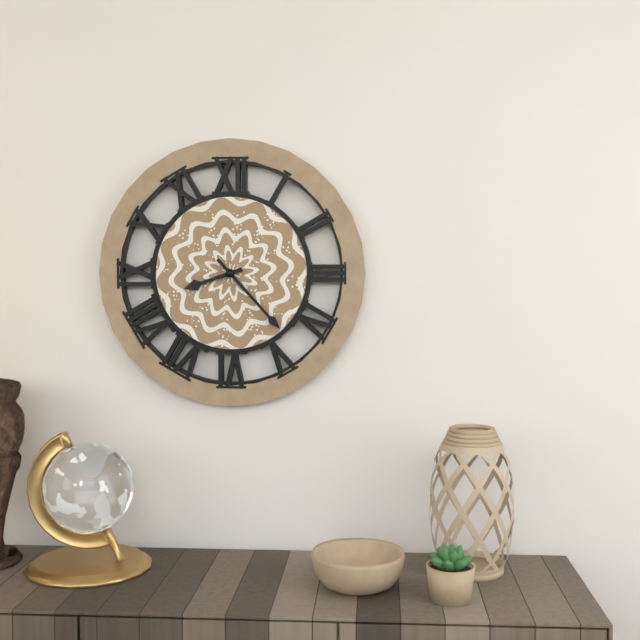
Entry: 8 h 23 min
